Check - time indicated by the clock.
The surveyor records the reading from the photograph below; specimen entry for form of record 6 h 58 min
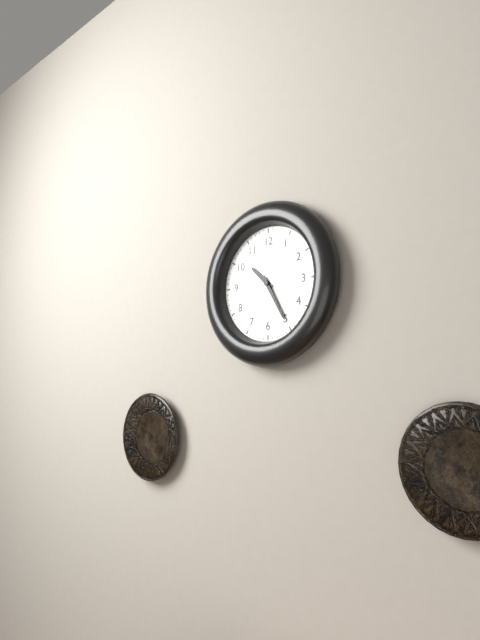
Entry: 10 h 25 min
